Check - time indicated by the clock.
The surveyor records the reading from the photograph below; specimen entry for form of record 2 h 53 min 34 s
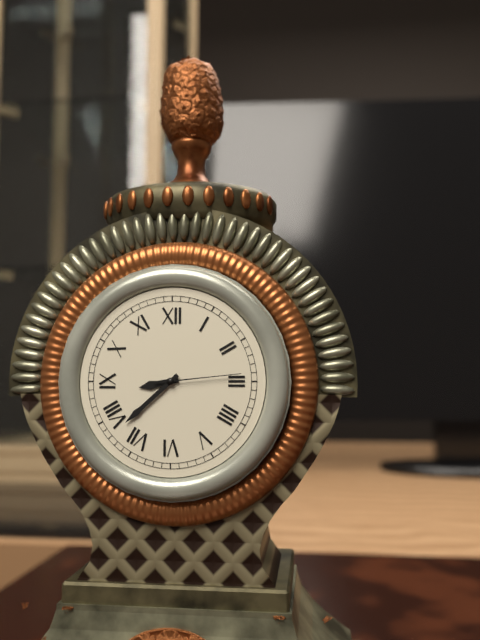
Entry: 8 h 38 min 14 s
